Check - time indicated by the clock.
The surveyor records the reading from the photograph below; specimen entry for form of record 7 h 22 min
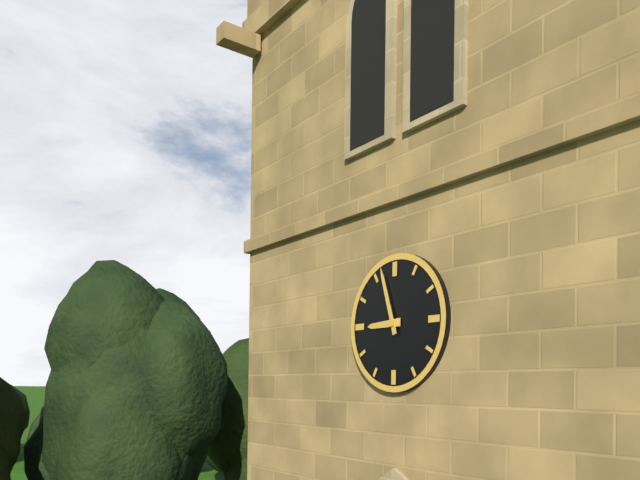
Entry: 8 h 57 min
